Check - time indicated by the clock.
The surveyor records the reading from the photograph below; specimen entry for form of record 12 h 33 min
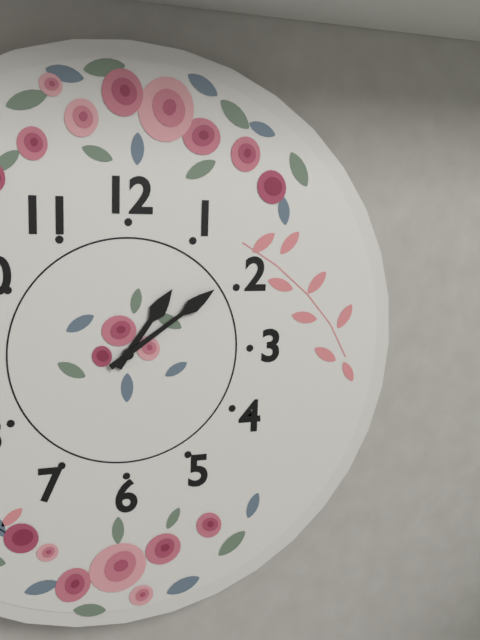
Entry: 1 h 09 min
